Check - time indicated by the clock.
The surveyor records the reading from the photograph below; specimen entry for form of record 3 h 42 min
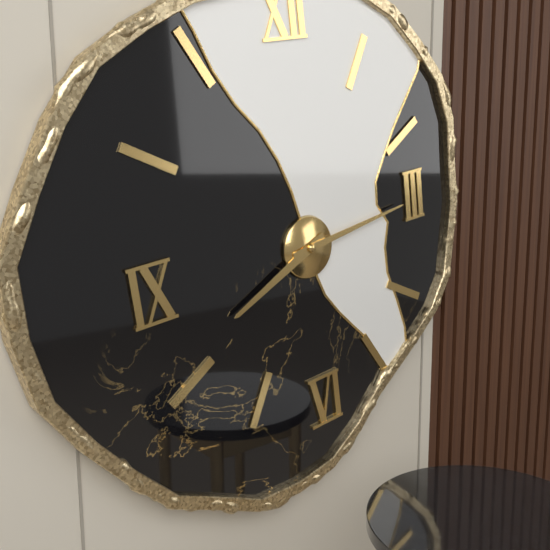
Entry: 8 h 14 min
